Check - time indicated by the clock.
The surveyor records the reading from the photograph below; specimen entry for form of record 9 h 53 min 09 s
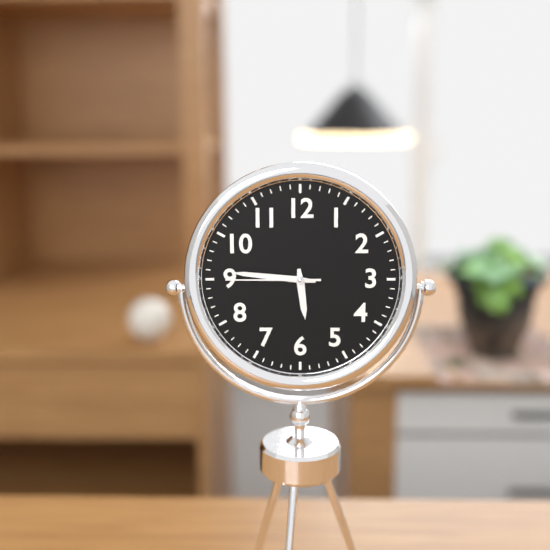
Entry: 5 h 46 min 45 s
